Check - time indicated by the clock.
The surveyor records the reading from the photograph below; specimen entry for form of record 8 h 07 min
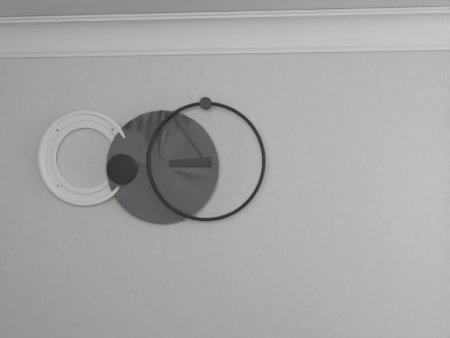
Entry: 8 h 54 min
